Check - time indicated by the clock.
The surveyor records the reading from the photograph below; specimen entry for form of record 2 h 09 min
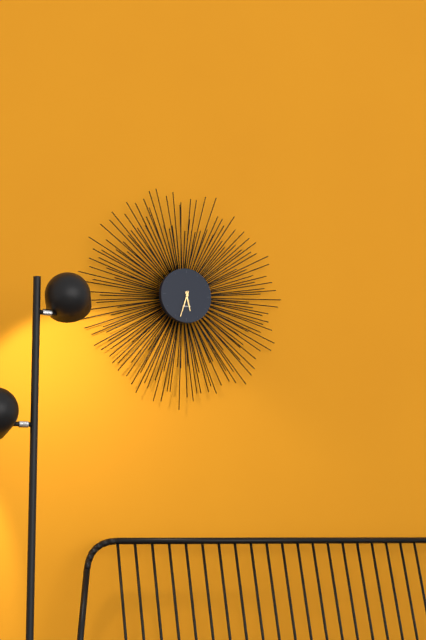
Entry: 5 h 33 min
